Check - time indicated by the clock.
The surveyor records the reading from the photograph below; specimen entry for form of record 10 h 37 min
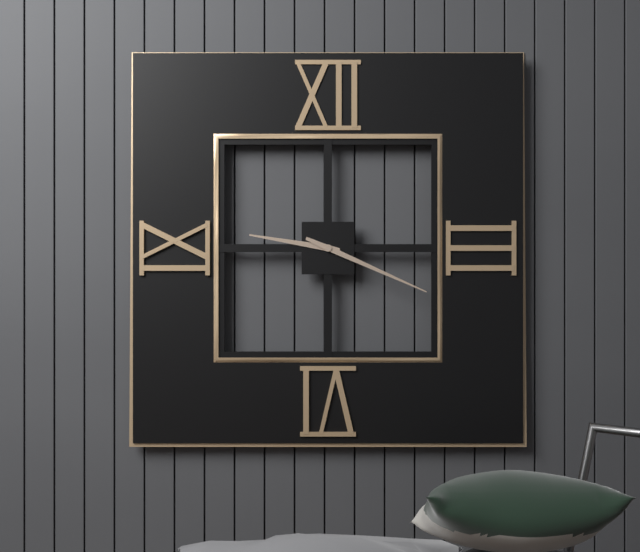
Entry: 9 h 19 min
